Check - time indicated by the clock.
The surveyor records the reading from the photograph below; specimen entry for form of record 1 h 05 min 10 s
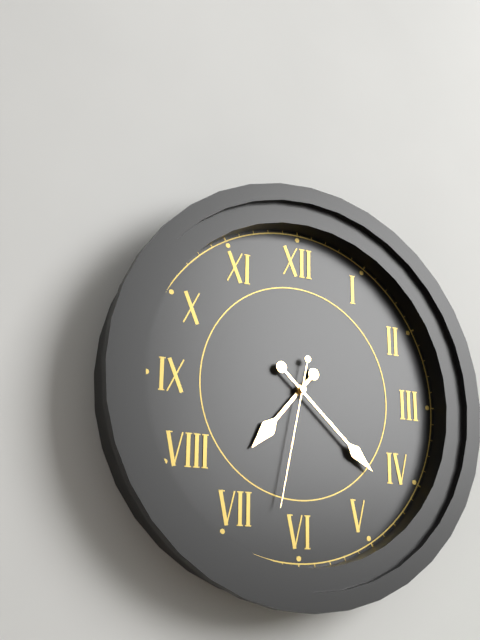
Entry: 7 h 22 min 32 s
